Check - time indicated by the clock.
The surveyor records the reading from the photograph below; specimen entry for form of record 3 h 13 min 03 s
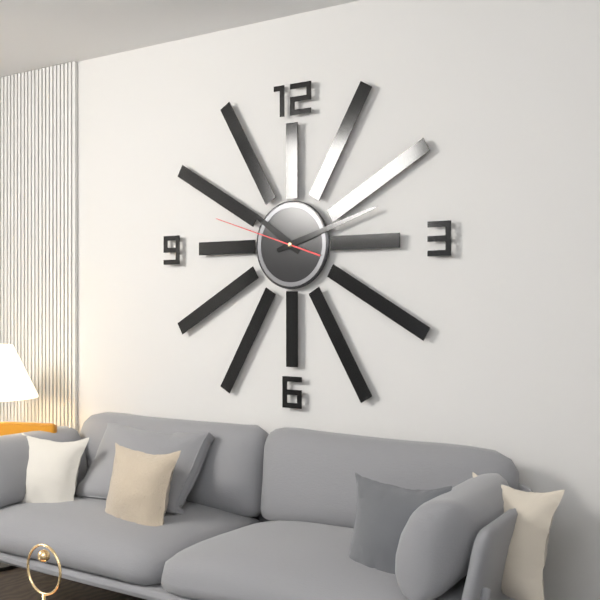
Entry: 10 h 12 min 48 s
